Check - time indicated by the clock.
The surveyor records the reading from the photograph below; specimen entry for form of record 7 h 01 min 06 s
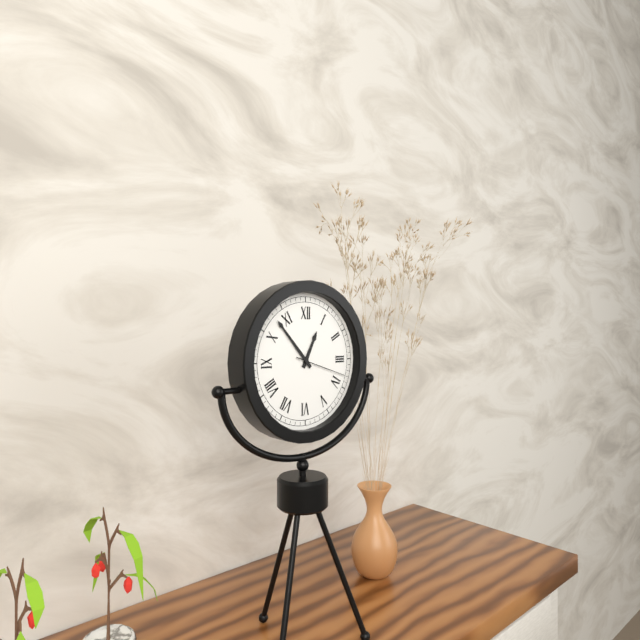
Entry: 12 h 53 min 18 s
